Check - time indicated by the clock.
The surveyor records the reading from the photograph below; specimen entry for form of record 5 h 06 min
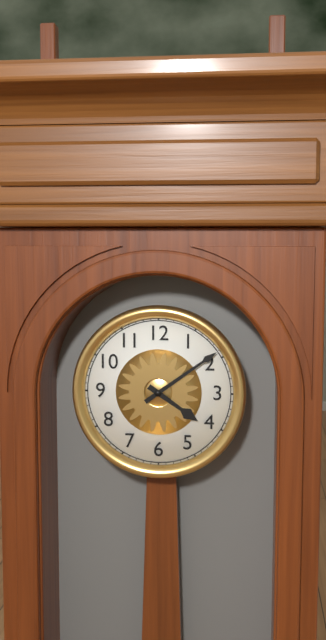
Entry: 4 h 09 min
